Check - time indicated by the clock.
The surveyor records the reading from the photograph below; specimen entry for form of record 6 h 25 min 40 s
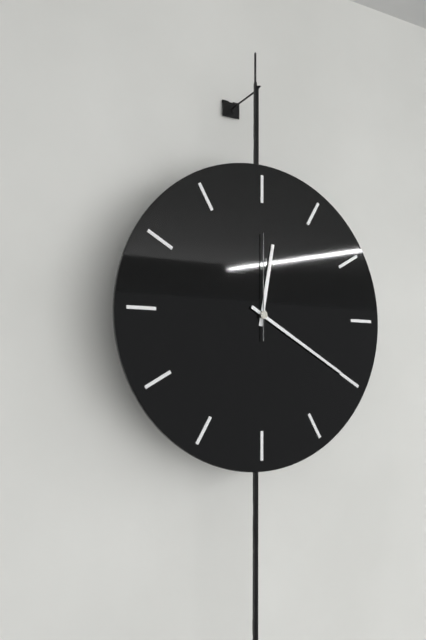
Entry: 12 h 20 min 00 s
